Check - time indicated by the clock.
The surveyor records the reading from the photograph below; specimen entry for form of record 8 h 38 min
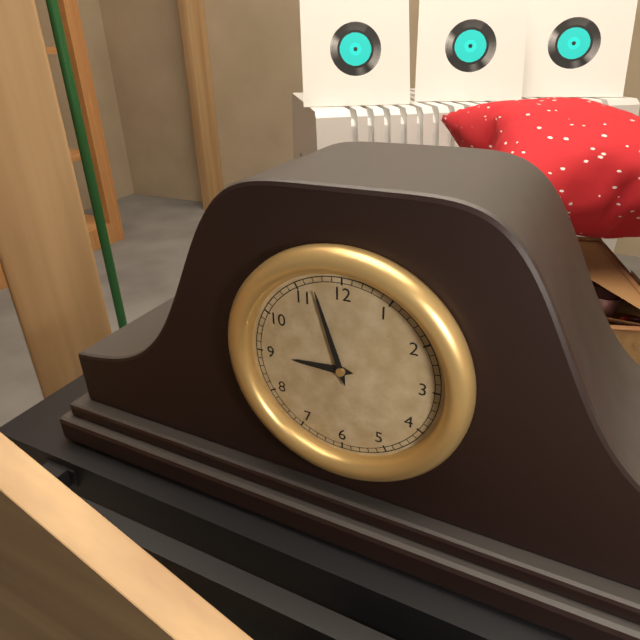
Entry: 8 h 57 min
